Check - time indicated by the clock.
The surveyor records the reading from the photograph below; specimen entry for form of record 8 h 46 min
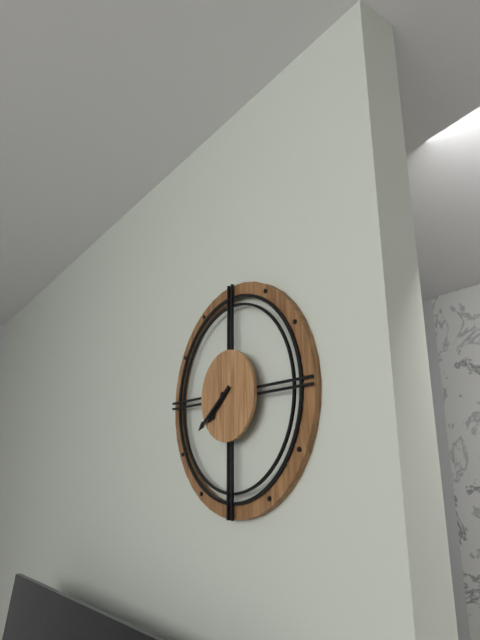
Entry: 7 h 39 min
